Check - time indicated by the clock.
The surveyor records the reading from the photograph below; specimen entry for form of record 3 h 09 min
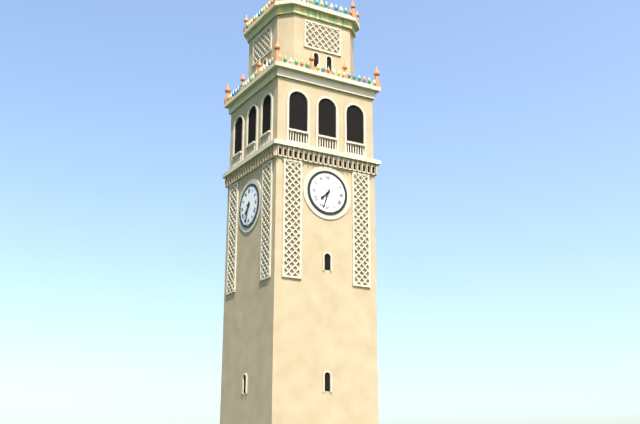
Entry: 7 h 33 min
